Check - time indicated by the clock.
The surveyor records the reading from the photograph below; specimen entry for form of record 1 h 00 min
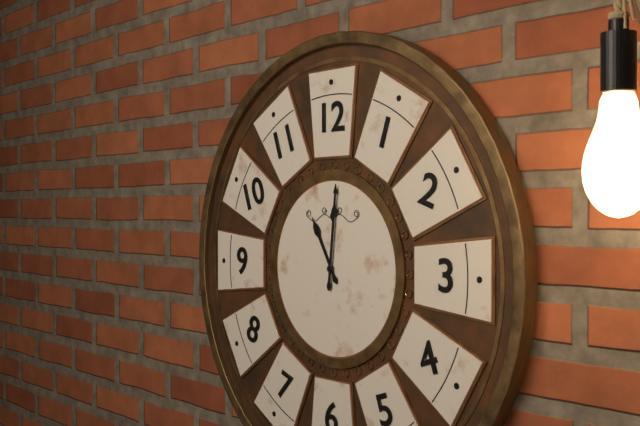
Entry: 11 h 01 min
